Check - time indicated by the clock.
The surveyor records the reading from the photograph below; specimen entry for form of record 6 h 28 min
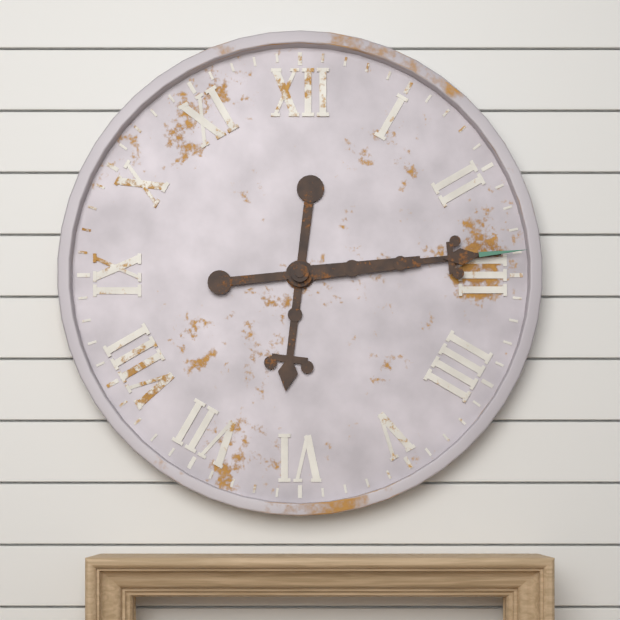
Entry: 6 h 14 min
